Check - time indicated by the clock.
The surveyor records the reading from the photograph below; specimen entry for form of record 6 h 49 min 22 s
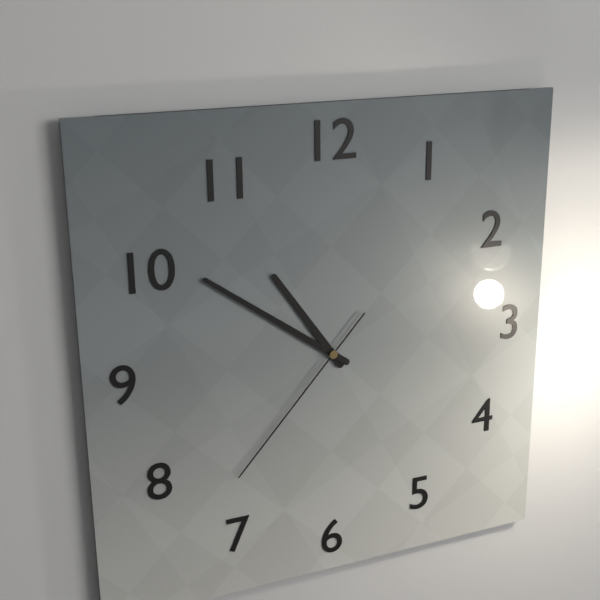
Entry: 10 h 51 min 37 s
